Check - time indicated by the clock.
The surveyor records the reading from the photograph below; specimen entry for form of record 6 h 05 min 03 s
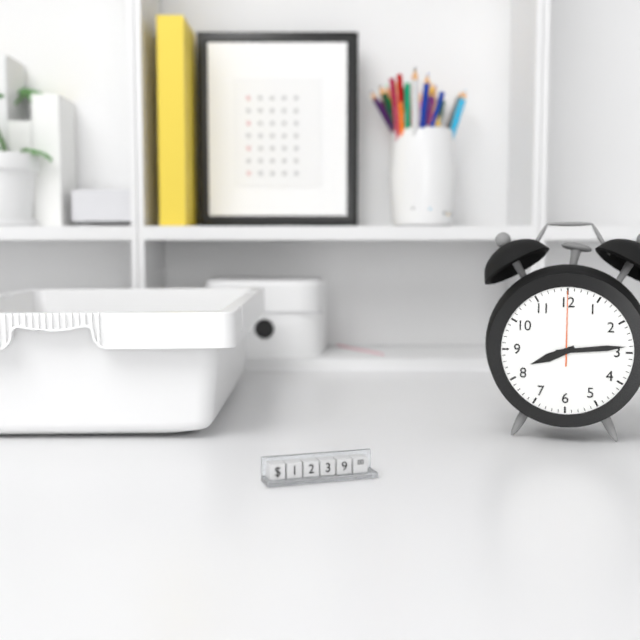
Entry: 8 h 14 min 00 s
